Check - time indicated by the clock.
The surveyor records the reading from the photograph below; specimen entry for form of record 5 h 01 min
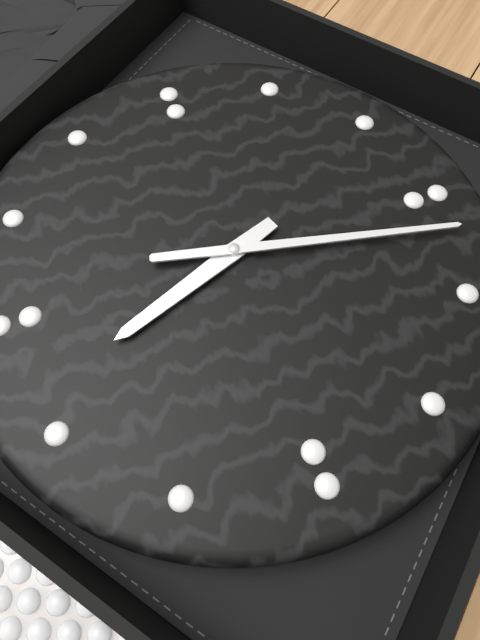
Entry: 8 h 17 min
